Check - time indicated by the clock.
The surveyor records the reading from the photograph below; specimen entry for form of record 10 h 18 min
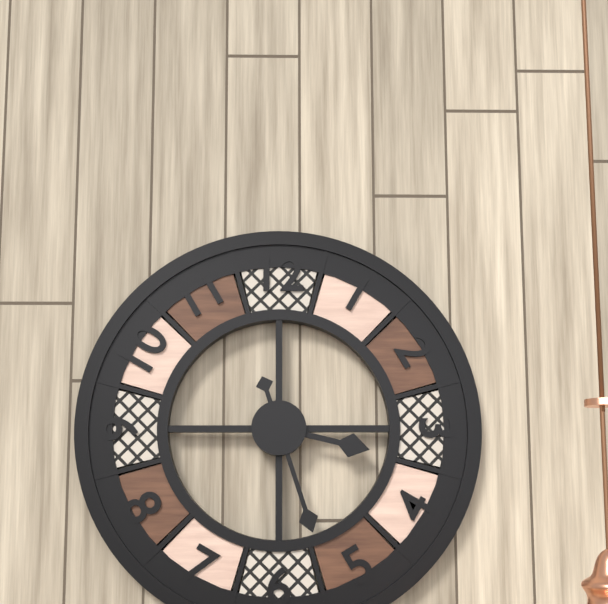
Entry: 3 h 27 min
